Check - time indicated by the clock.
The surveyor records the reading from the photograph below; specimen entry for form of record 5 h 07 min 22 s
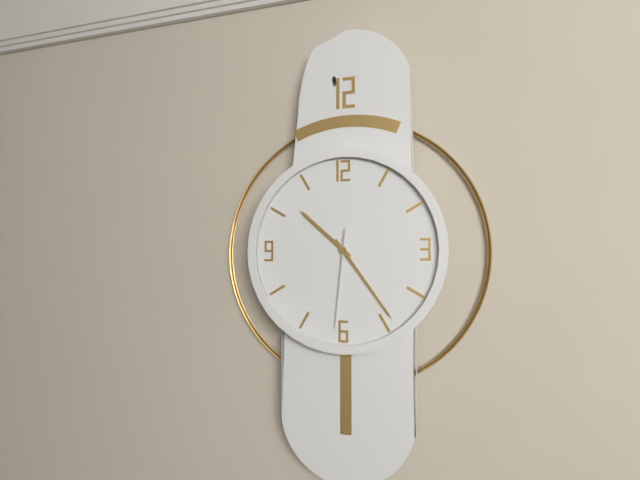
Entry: 10 h 24 min 31 s
